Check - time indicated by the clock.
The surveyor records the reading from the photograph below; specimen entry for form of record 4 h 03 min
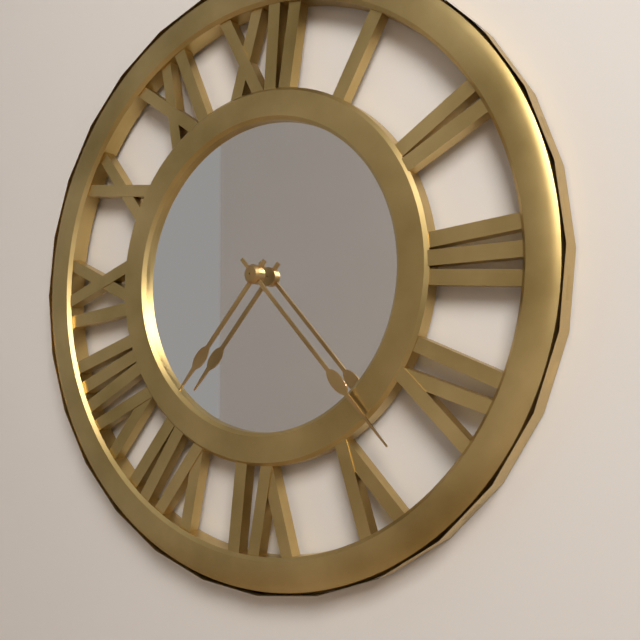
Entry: 7 h 23 min
